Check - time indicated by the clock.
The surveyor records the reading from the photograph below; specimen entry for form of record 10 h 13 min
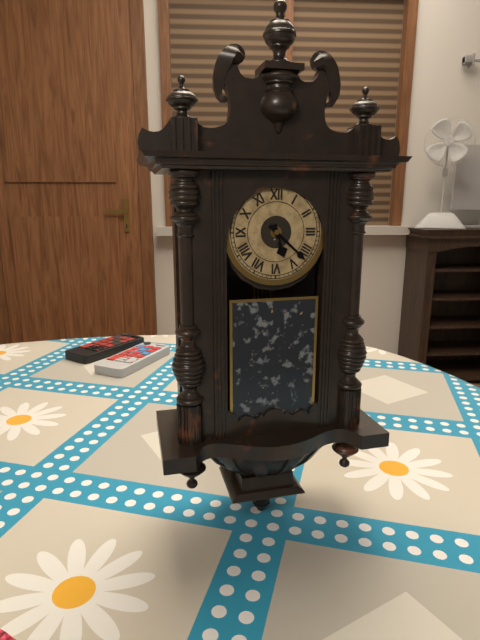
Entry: 5 h 22 min
